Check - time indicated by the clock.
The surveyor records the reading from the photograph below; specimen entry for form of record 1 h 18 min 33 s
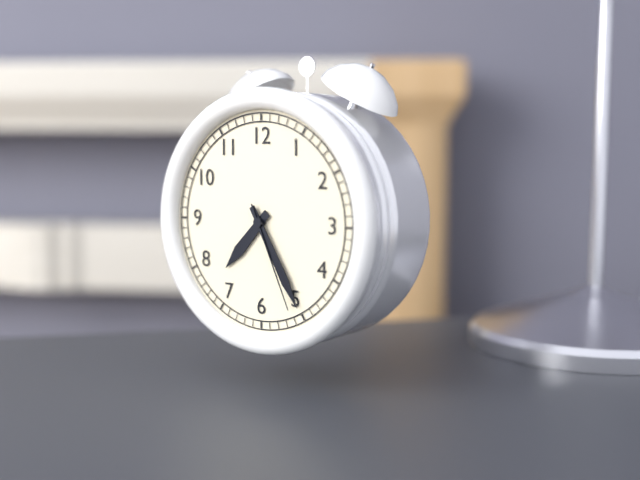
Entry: 7 h 25 min 26 s
